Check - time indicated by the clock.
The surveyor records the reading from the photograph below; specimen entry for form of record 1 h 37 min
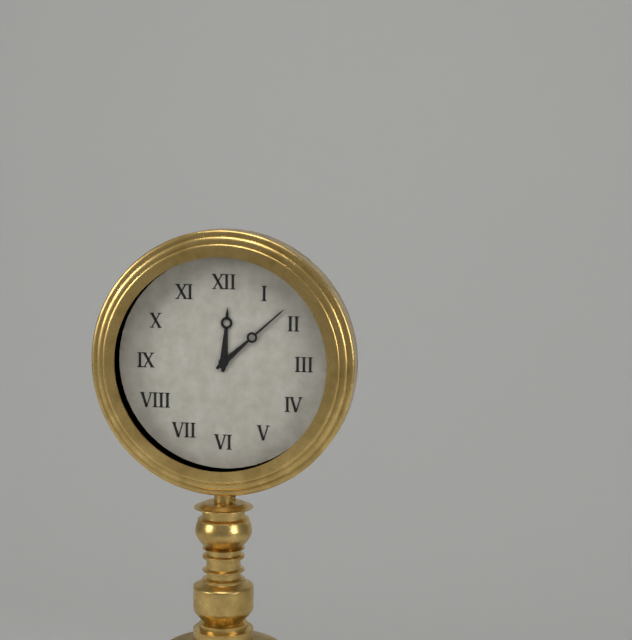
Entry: 12 h 08 min
